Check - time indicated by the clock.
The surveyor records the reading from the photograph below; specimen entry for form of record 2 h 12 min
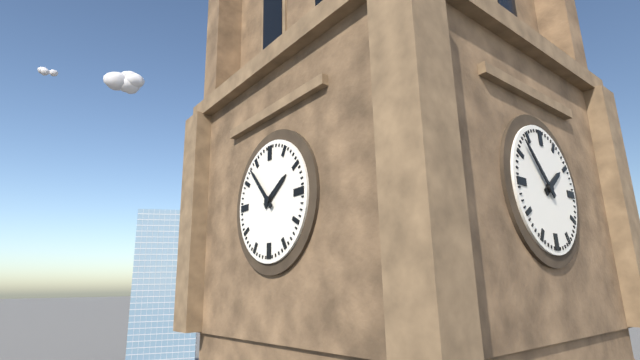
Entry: 1 h 53 min
